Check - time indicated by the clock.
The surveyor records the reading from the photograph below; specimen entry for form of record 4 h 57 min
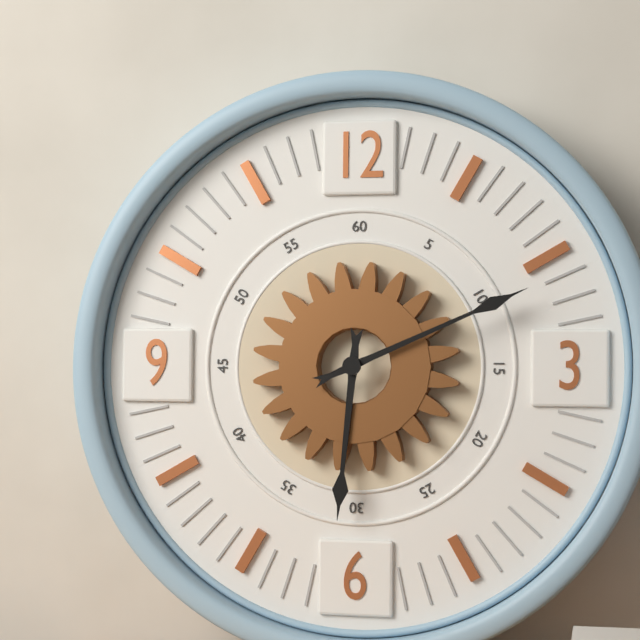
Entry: 6 h 11 min
